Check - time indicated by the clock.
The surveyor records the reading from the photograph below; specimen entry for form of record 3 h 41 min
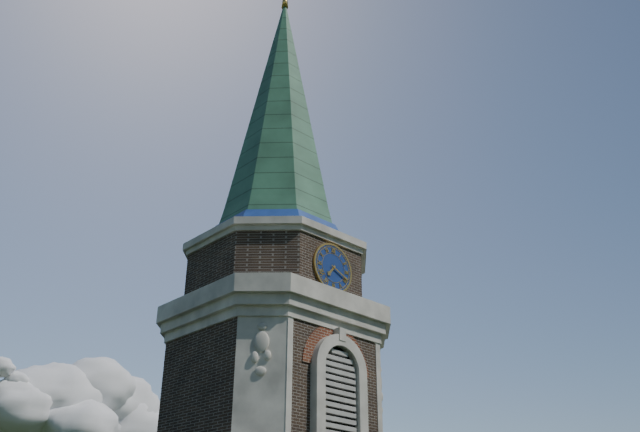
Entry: 7 h 19 min
